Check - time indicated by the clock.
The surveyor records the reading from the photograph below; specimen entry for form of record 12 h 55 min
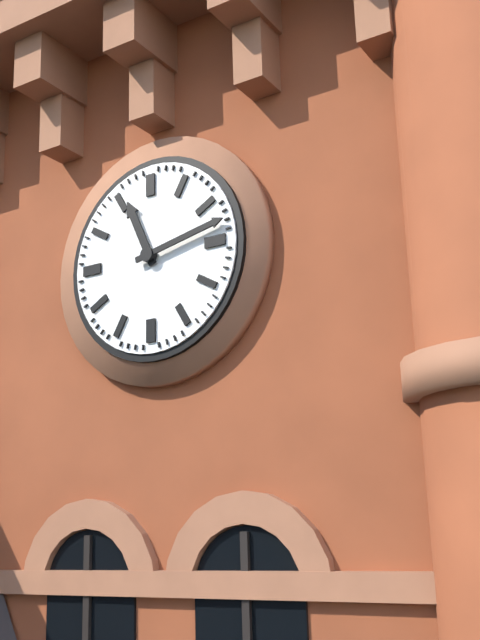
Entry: 11 h 13 min
